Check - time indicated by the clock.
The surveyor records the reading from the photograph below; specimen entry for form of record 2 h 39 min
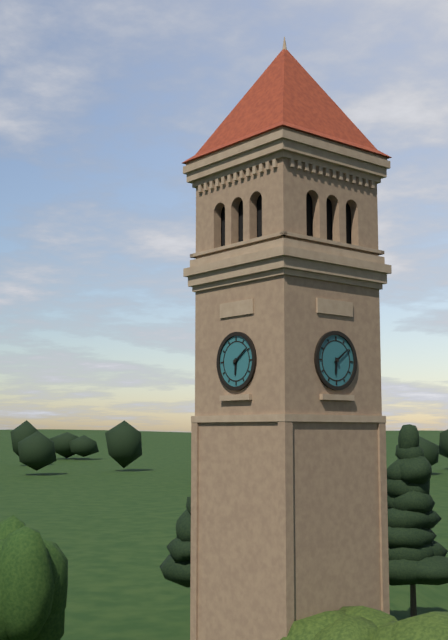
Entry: 6 h 09 min
